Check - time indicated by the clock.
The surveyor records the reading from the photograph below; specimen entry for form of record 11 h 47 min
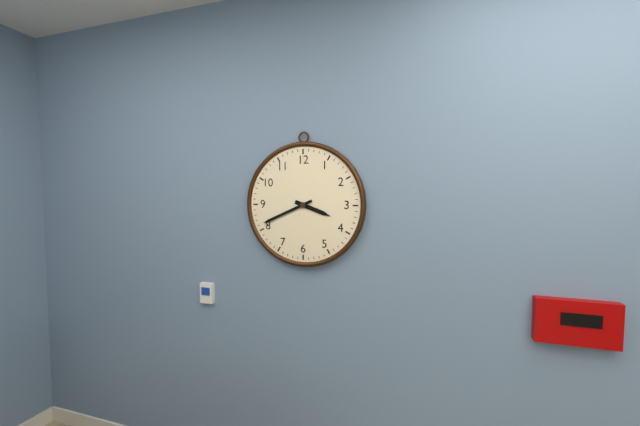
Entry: 3 h 41 min
